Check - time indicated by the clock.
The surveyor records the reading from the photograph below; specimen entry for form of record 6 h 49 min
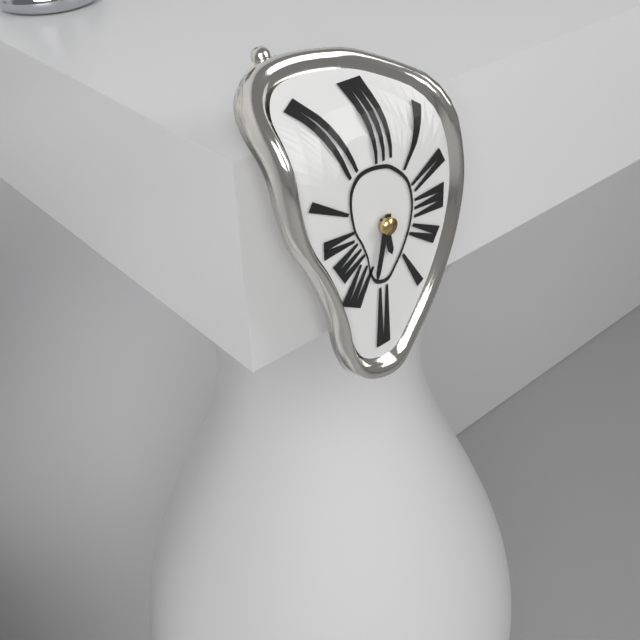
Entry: 5 h 32 min
